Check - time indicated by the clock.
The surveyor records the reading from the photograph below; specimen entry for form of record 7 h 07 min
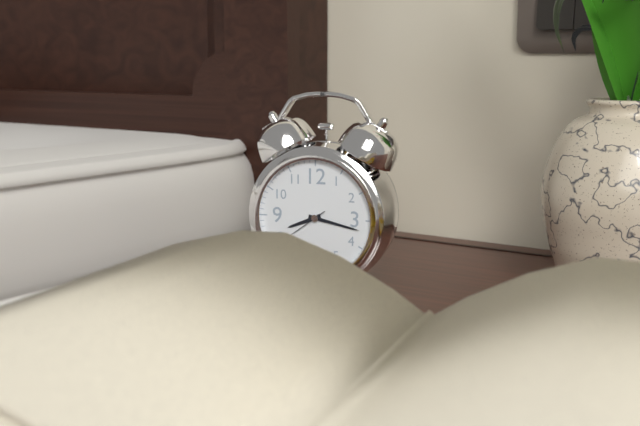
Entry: 8 h 17 min
